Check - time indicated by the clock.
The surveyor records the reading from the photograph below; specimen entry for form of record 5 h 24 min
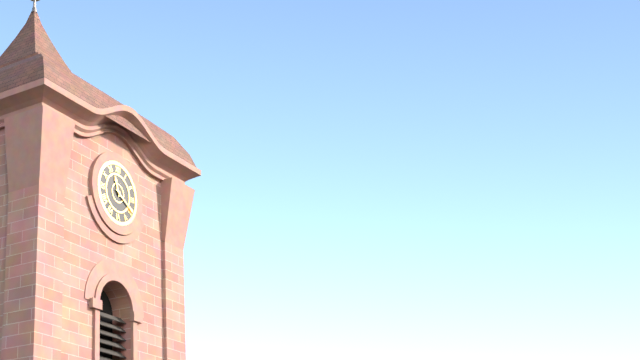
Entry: 11 h 20 min
